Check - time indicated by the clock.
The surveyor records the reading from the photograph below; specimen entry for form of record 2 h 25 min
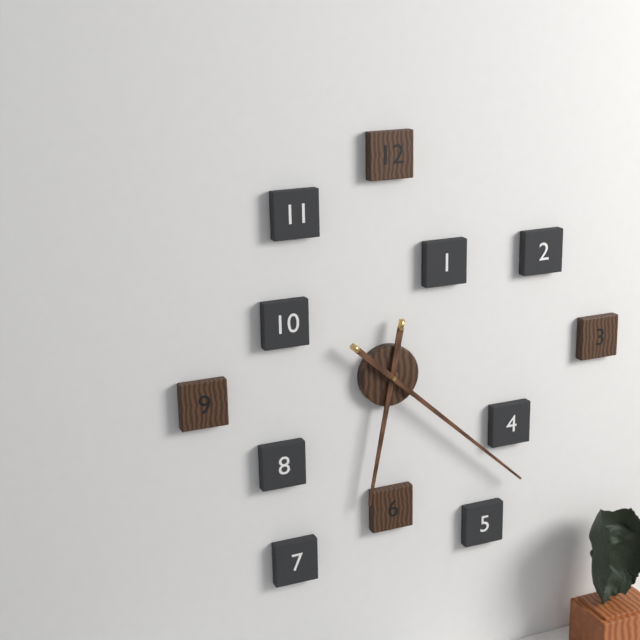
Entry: 6 h 22 min
